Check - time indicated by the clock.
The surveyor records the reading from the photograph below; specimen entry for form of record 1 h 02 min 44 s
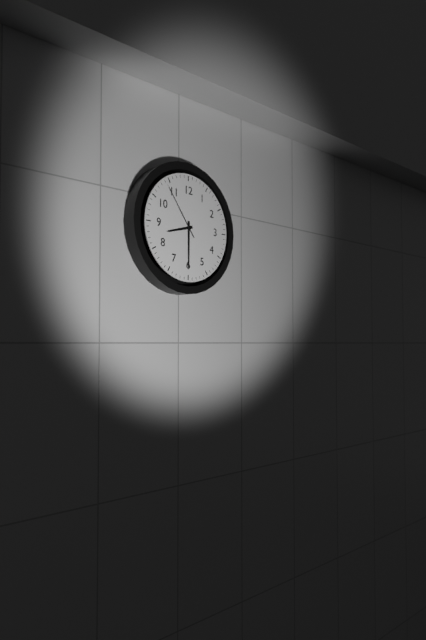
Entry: 8 h 30 min 54 s
